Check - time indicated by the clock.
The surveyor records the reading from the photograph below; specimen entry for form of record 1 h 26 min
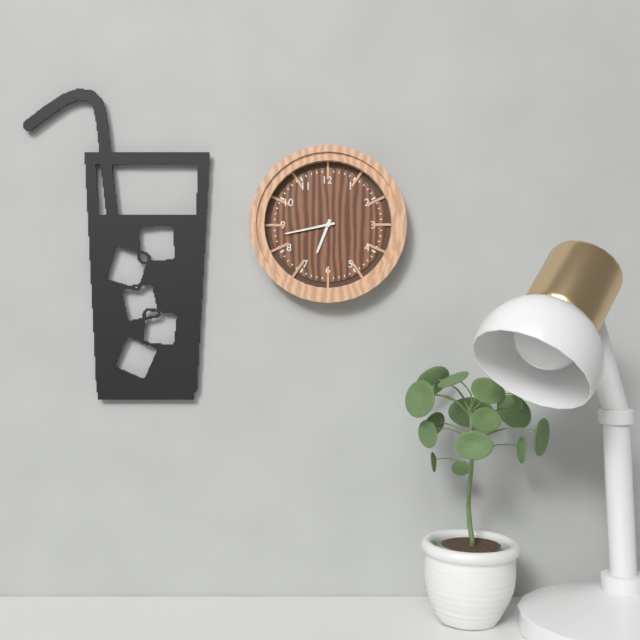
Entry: 6 h 43 min
